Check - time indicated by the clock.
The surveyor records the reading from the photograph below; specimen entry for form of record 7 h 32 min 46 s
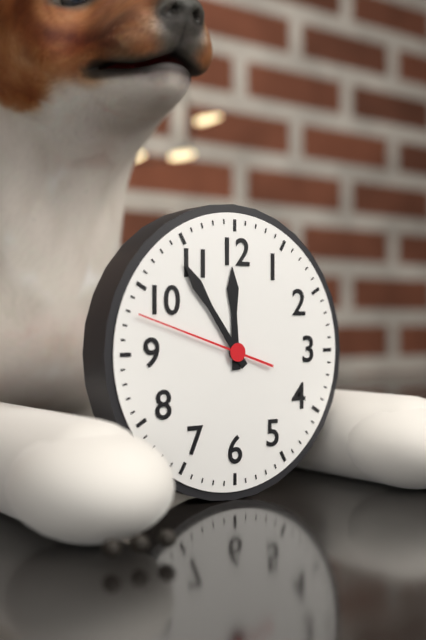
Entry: 11 h 54 min 48 s
